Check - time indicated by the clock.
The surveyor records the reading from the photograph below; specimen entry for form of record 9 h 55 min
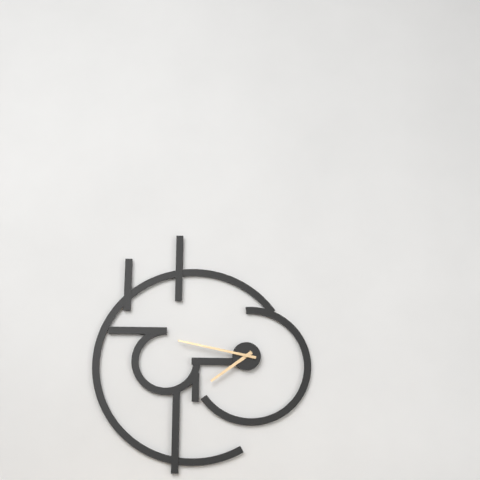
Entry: 7 h 47 min
